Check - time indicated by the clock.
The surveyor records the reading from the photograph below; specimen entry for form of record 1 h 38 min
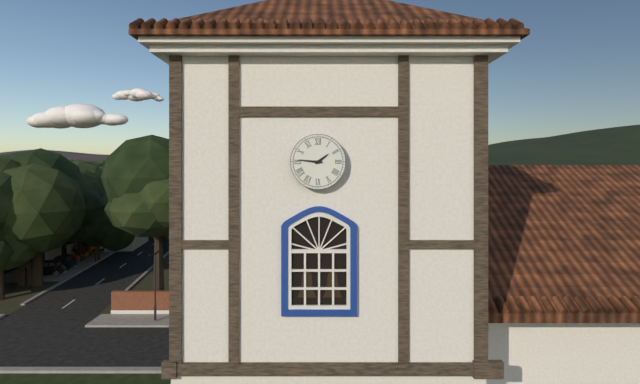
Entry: 1 h 46 min
